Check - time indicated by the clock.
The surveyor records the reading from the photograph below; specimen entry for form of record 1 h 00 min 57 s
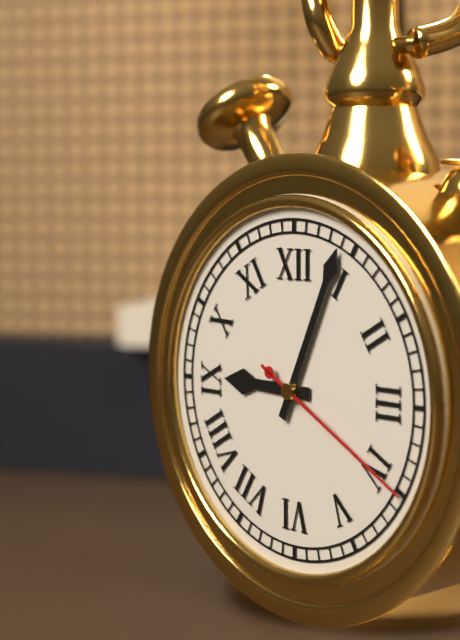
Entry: 9 h 04 min 20 s
